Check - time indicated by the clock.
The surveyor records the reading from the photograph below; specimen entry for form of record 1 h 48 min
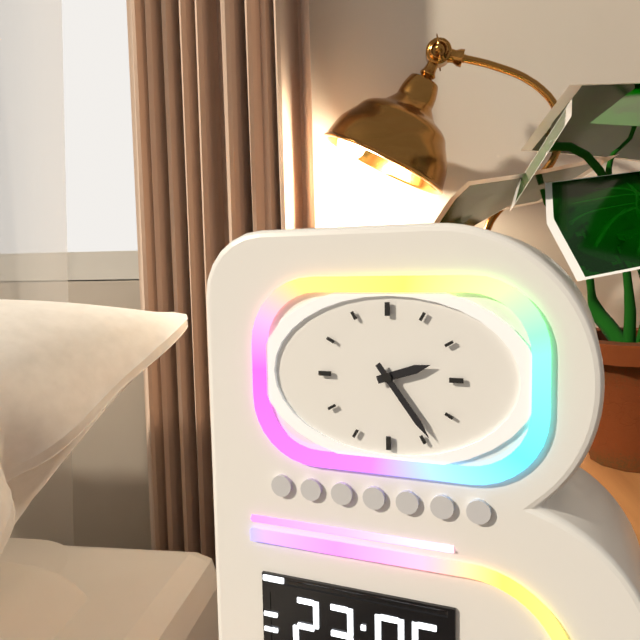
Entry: 2 h 24 min
